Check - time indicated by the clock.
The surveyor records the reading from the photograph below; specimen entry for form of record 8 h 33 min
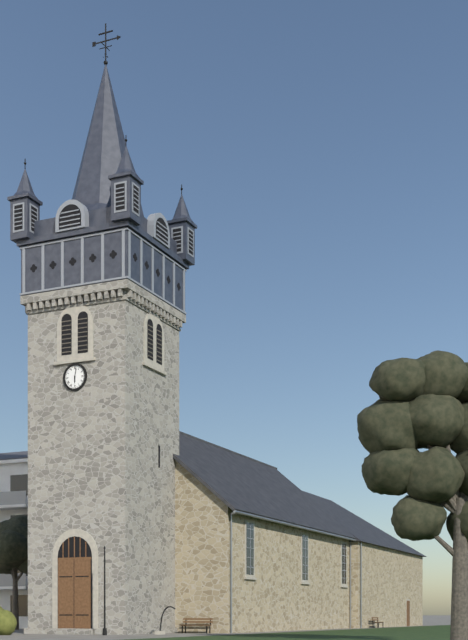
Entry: 6 h 02 min
